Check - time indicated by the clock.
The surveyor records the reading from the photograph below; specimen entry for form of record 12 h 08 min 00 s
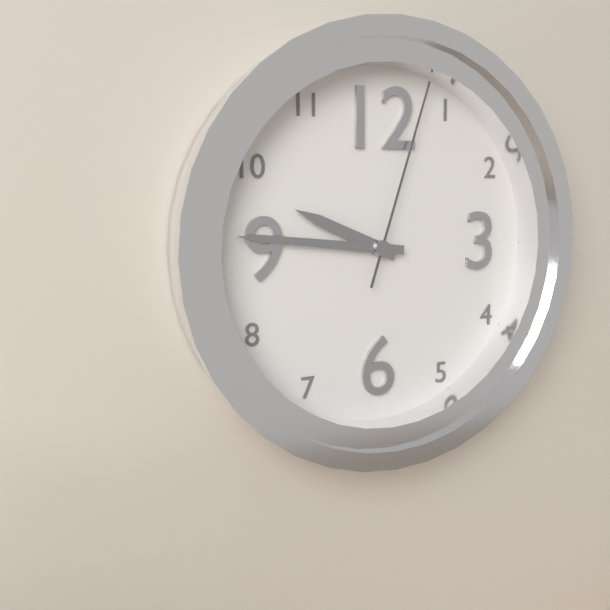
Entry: 9 h 46 min 03 s
